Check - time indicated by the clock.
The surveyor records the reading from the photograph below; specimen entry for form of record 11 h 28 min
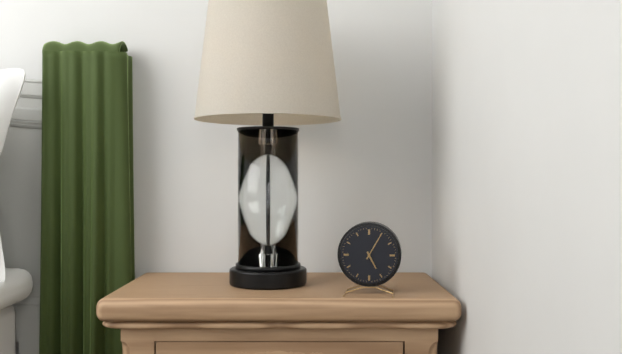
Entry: 5 h 05 min
